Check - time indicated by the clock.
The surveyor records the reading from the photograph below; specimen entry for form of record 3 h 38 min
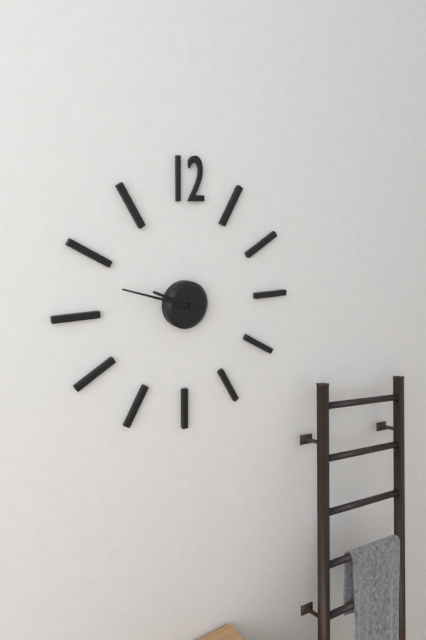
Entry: 9 h 48 min
